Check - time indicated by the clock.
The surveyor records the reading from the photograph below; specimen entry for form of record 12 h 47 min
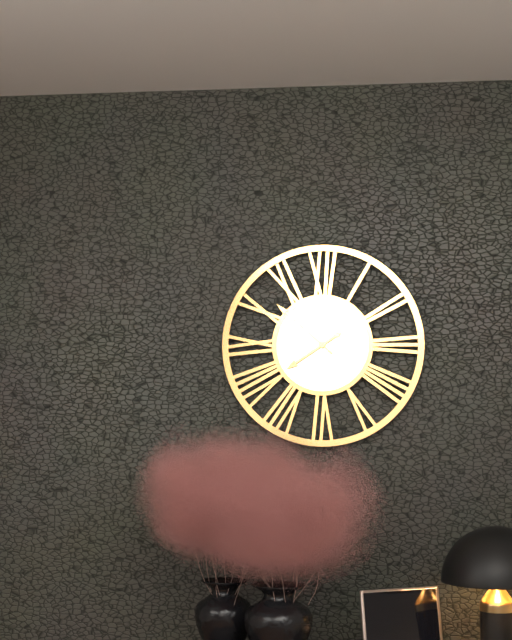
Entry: 7 h 52 min
